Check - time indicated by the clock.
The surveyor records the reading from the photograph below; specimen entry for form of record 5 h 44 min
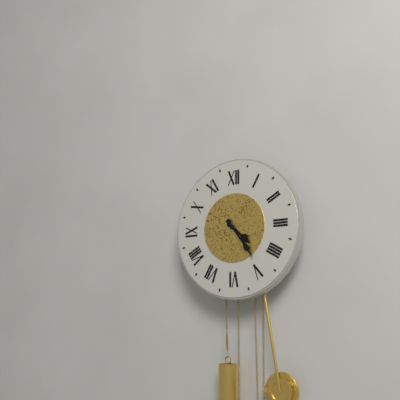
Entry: 4 h 24 min
